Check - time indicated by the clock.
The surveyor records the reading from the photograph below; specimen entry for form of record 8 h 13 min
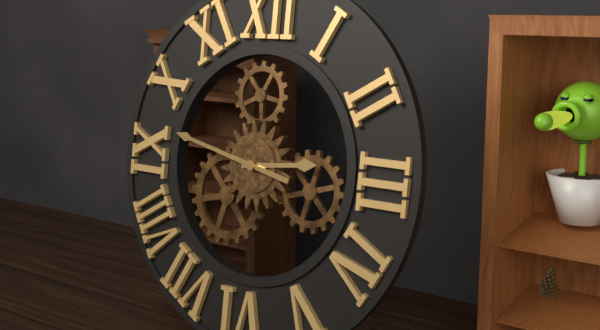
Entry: 2 h 47 min
